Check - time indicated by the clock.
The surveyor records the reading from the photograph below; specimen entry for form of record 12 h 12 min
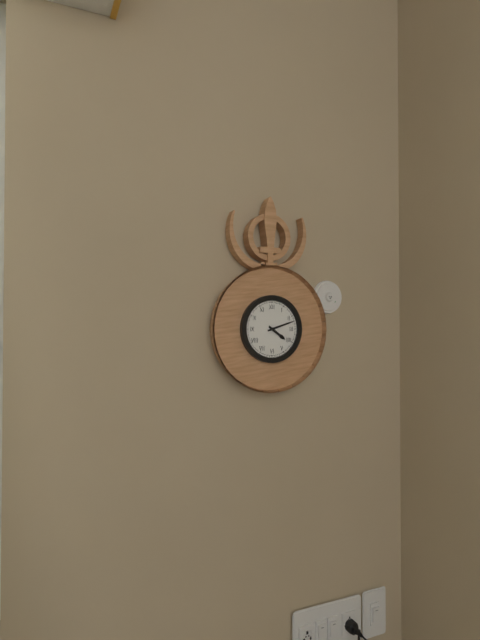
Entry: 4 h 12 min
